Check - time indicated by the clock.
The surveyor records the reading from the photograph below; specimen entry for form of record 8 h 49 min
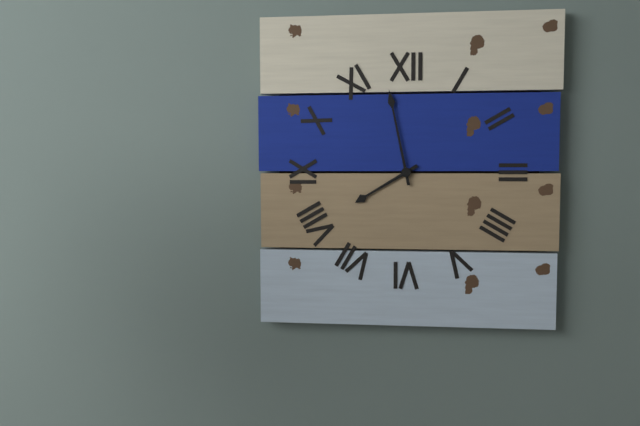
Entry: 7 h 58 min
